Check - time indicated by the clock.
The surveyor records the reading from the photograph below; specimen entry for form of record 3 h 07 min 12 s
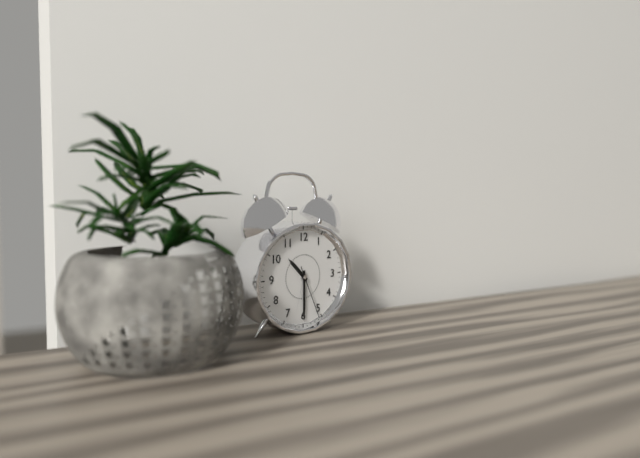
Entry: 10 h 30 min 26 s
